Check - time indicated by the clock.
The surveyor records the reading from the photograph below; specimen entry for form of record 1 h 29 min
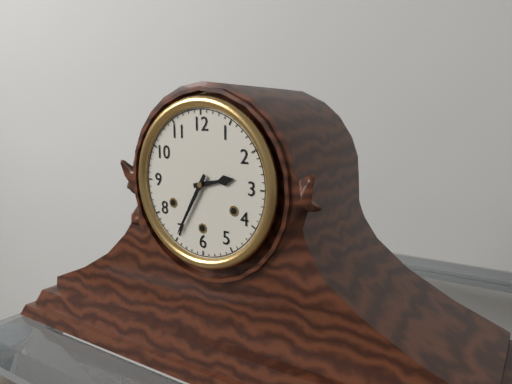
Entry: 2 h 35 min
